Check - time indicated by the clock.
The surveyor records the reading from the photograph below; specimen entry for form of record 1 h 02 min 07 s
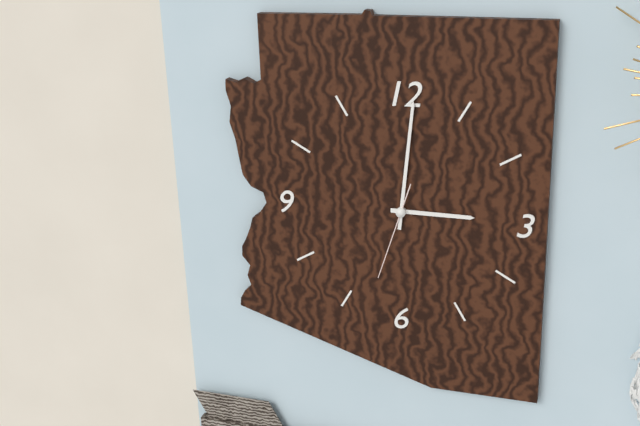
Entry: 3 h 01 min 33 s
